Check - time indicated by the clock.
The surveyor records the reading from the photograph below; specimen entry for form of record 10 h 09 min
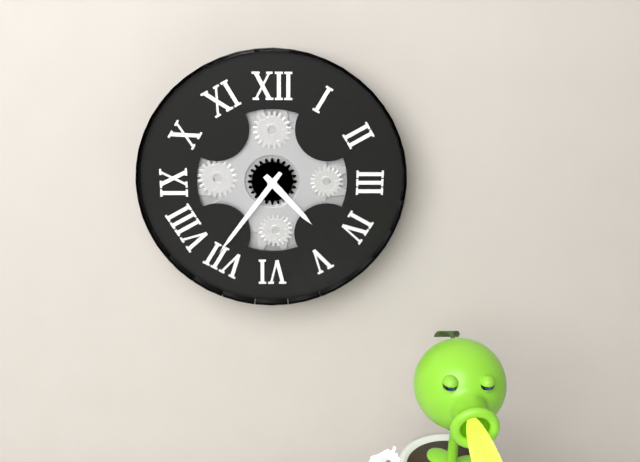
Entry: 4 h 36 min
